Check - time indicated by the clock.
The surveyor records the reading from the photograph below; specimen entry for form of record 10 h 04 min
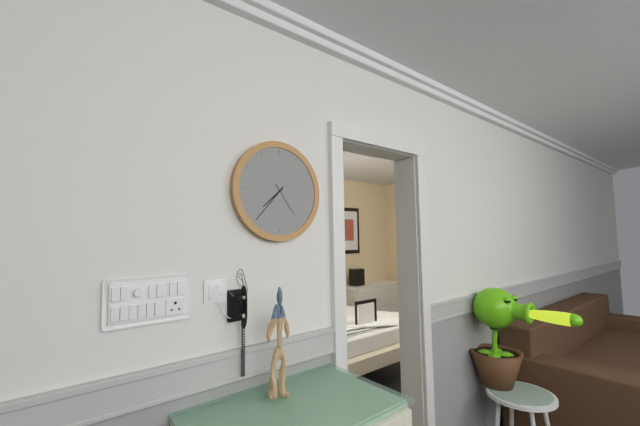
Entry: 7 h 37 min
